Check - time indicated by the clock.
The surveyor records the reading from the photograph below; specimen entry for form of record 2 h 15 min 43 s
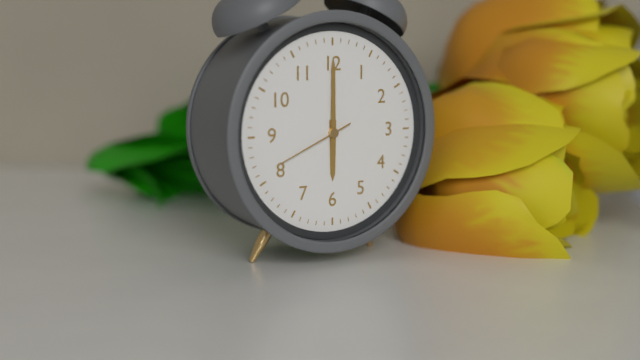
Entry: 6 h 00 min 41 s
